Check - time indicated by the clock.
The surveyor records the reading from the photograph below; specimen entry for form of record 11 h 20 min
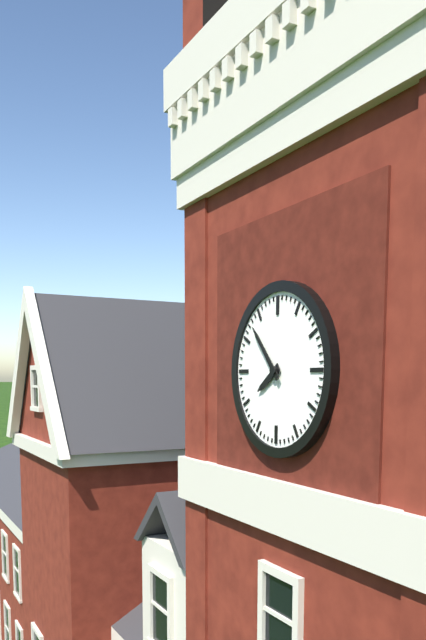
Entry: 7 h 53 min
